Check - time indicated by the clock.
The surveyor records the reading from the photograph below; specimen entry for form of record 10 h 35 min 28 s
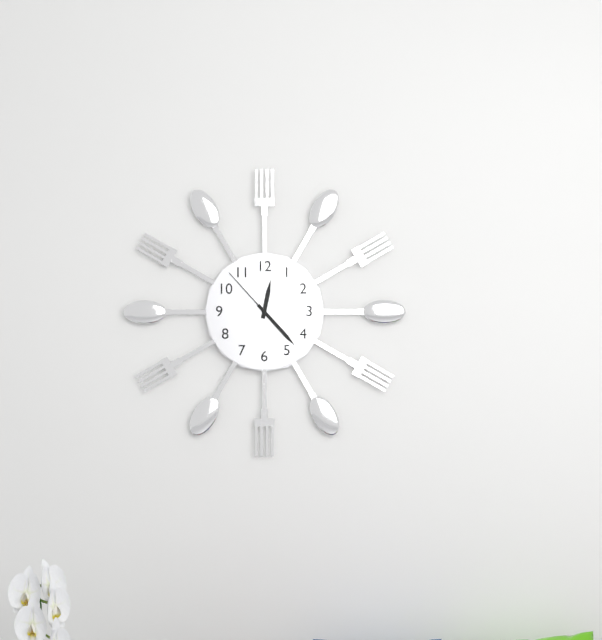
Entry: 12 h 23 min 53 s
